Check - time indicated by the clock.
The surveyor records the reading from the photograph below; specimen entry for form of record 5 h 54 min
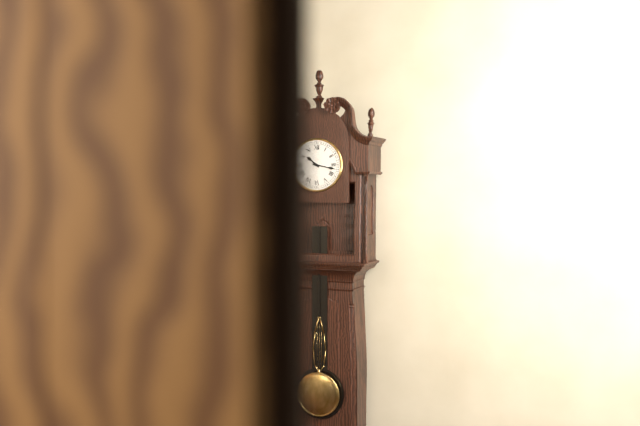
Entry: 10 h 17 min
